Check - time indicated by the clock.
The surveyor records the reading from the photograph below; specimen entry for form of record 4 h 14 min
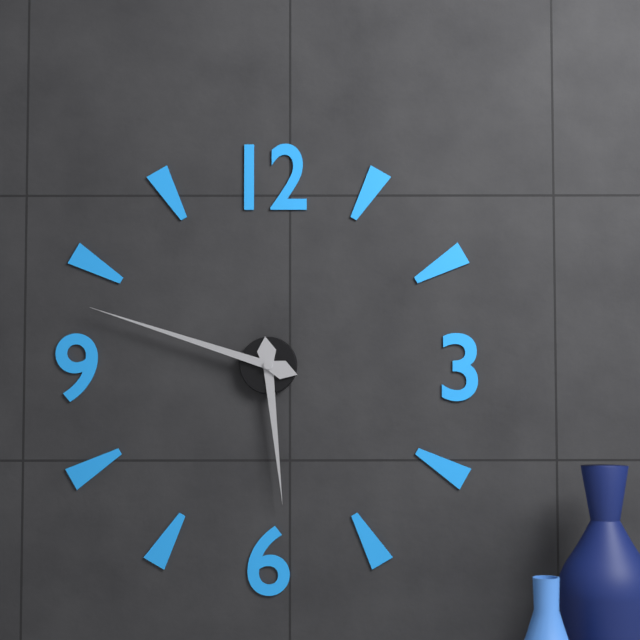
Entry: 5 h 48 min
